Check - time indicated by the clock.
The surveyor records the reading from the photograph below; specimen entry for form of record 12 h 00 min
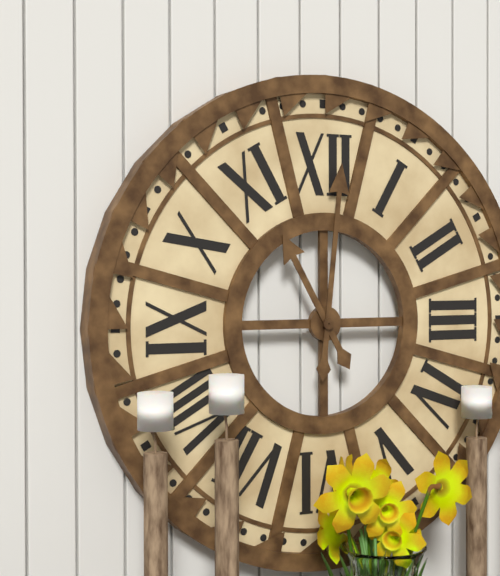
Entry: 11 h 01 min
